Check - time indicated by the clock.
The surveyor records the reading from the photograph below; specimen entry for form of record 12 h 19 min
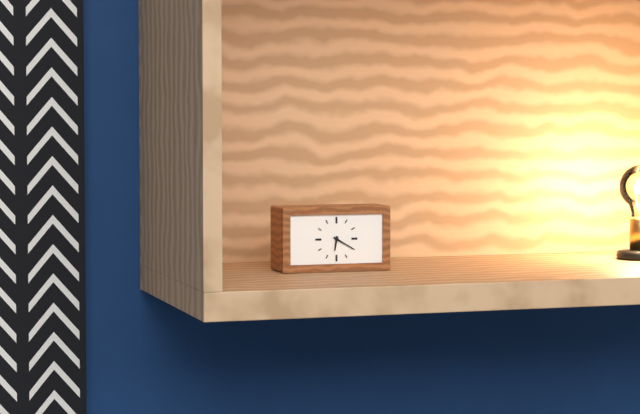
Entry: 6 h 20 min
